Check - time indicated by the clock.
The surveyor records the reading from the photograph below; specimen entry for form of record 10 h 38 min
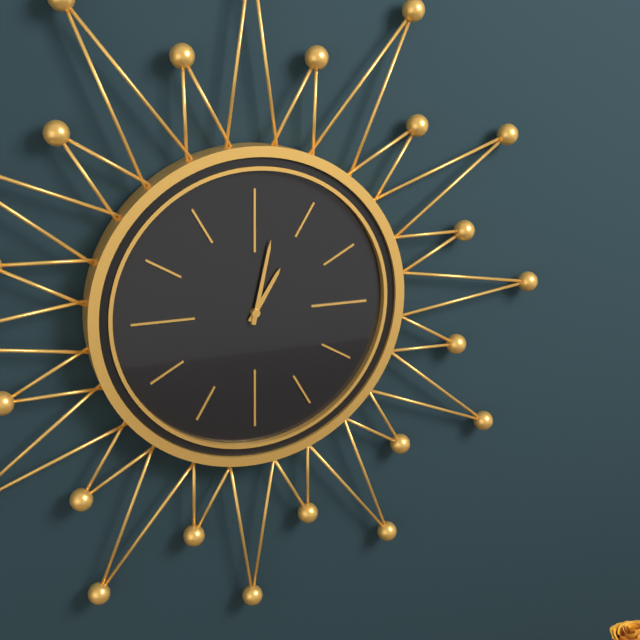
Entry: 1 h 02 min
